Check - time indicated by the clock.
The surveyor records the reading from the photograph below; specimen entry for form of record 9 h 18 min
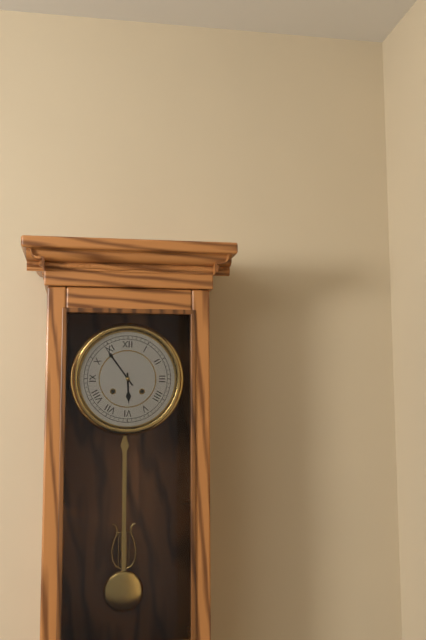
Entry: 5 h 54 min
